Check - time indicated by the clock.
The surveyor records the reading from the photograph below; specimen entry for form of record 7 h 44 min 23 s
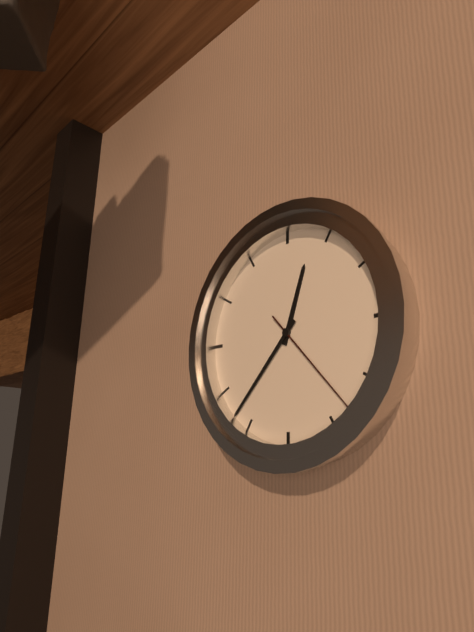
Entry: 12 h 37 min 23 s
